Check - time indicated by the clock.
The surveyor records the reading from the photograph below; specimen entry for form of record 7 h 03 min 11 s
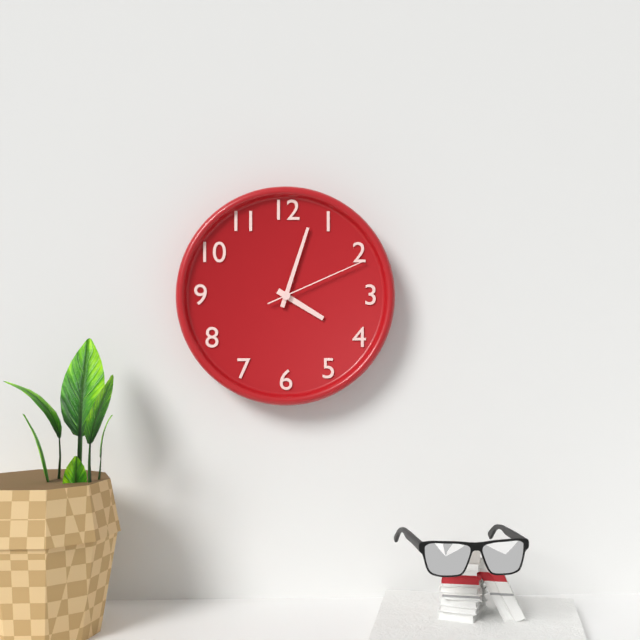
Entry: 4 h 03 min 11 s
